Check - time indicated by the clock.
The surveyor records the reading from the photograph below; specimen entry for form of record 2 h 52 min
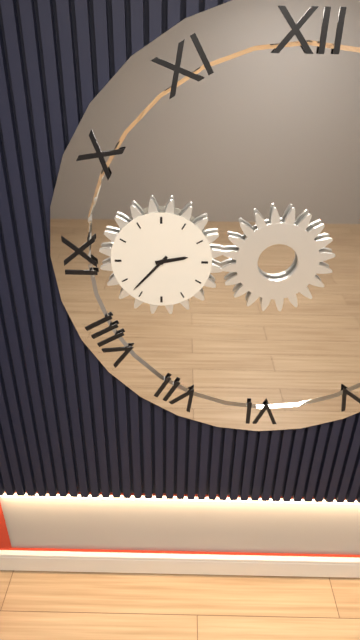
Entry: 2 h 37 min
